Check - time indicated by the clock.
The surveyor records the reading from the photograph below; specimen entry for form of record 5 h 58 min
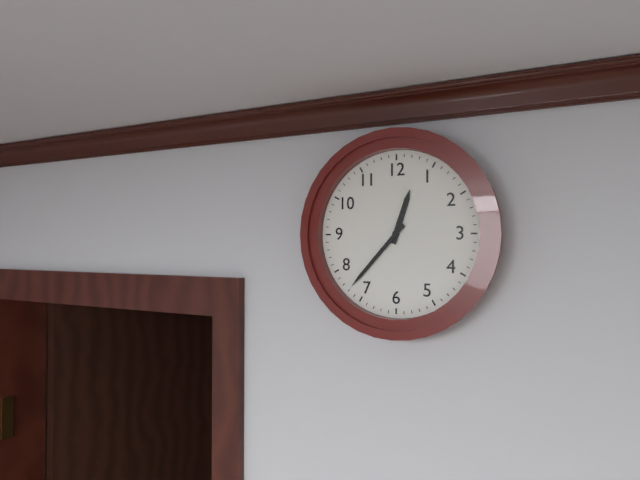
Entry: 12 h 37 min
